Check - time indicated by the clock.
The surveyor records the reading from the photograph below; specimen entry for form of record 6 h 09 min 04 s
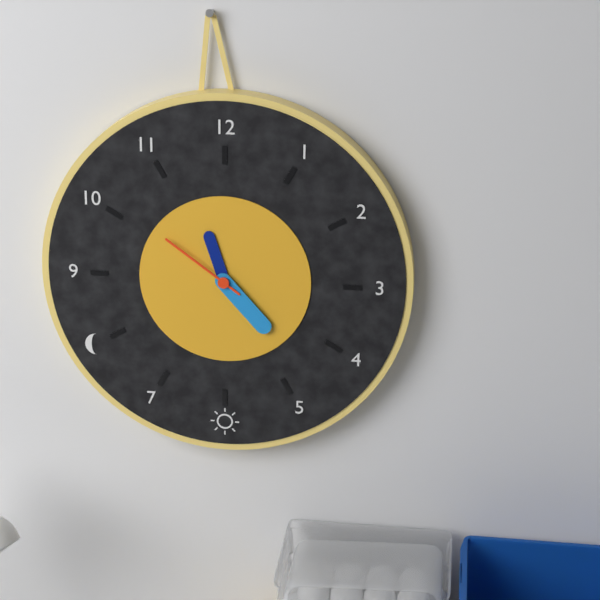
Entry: 11 h 23 min 51 s
